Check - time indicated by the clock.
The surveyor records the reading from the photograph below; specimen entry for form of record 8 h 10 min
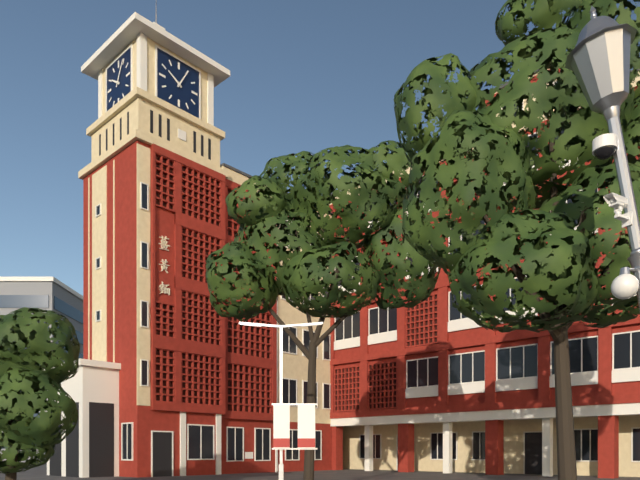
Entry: 10 h 05 min
